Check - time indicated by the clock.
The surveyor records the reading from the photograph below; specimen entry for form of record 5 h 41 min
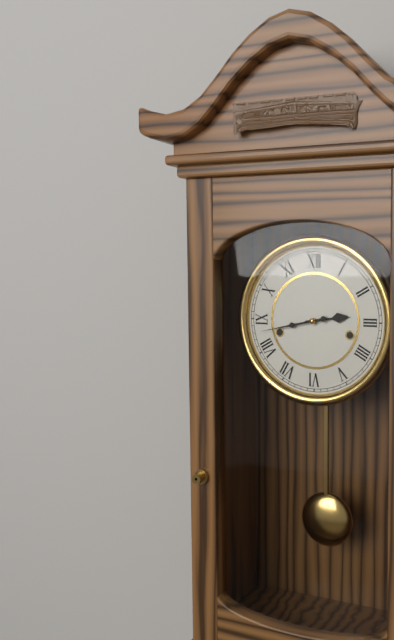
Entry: 2 h 43 min
